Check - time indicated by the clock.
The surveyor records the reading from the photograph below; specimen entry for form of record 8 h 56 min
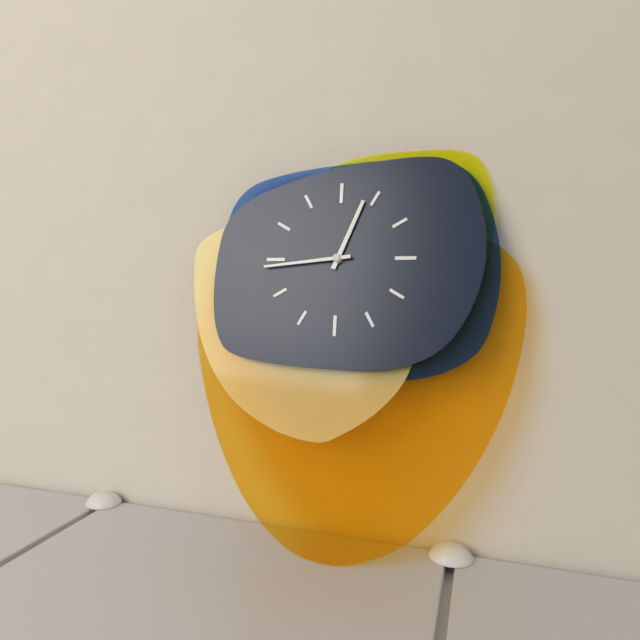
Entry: 12 h 44 min
